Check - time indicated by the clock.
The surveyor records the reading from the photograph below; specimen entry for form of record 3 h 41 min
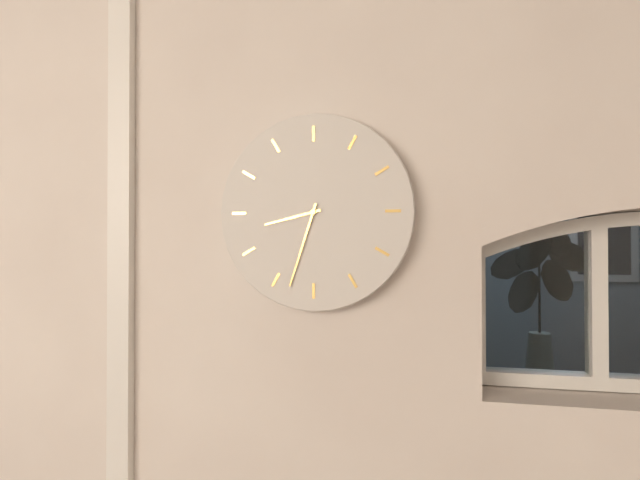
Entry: 8 h 33 min
